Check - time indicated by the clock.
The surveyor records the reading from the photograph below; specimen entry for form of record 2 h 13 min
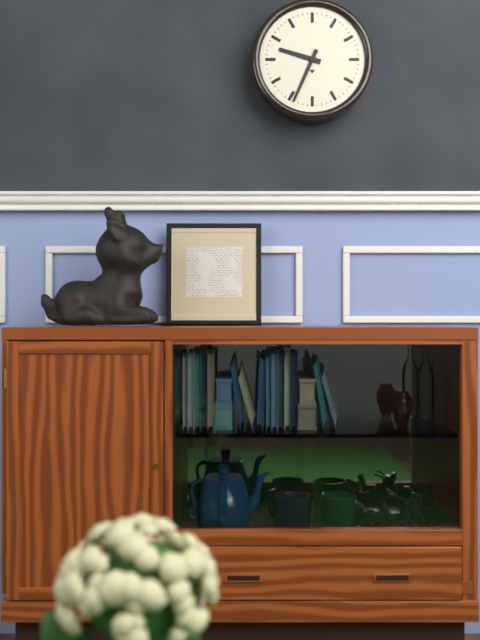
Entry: 9 h 34 min
